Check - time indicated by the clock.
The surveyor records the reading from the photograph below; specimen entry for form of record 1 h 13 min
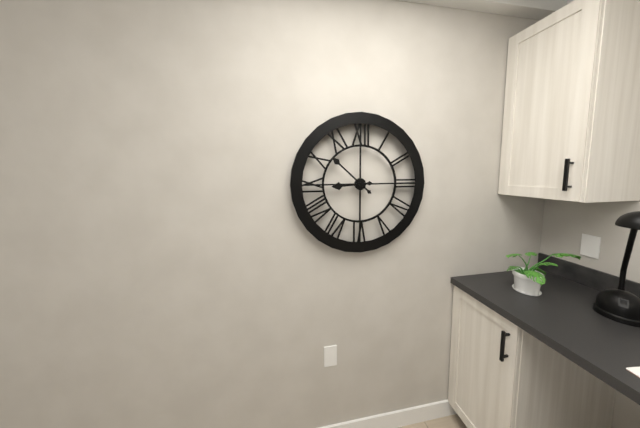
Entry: 8 h 52 min
